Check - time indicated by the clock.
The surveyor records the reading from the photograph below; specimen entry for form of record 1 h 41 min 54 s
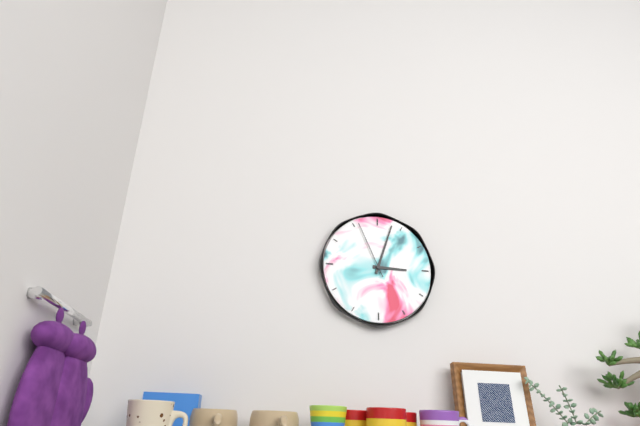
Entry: 3 h 03 min 56 s
